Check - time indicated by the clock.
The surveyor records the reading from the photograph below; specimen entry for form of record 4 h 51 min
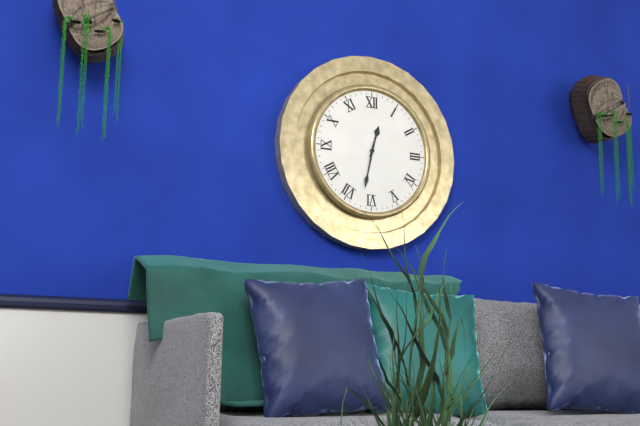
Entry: 12 h 32 min
